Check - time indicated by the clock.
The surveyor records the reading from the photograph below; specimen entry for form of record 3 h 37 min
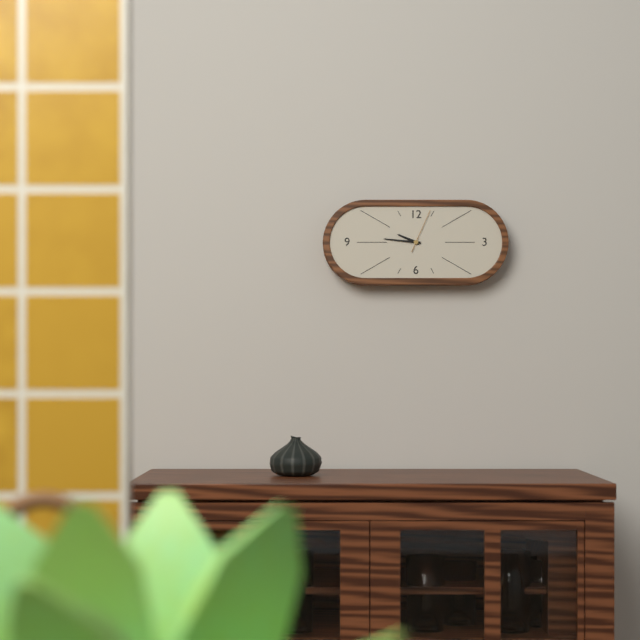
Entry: 9 h 46 min
